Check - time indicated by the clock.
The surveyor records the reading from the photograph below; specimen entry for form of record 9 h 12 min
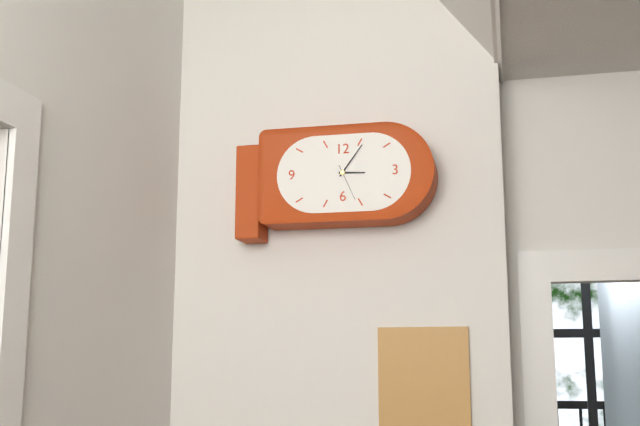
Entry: 3 h 06 min
